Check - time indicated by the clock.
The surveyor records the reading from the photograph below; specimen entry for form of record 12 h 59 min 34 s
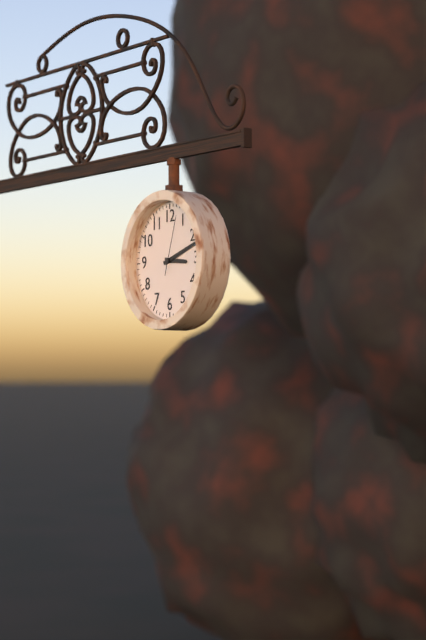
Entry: 3 h 12 min 03 s
